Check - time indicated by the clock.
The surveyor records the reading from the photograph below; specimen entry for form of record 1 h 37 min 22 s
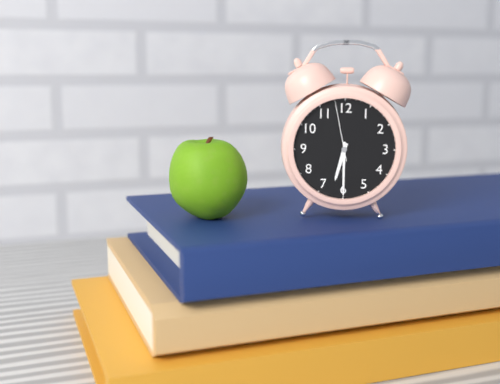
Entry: 6 h 30 min 58 s
